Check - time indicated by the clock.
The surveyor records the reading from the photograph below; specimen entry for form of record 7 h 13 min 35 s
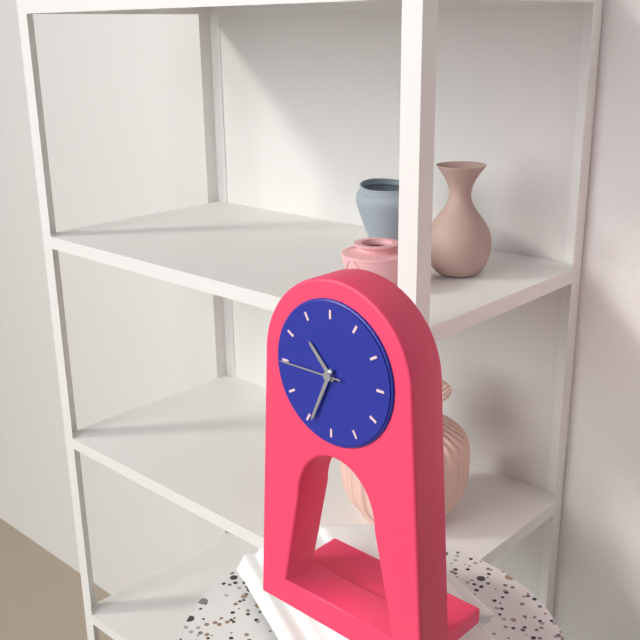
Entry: 10 h 34 min 45 s
